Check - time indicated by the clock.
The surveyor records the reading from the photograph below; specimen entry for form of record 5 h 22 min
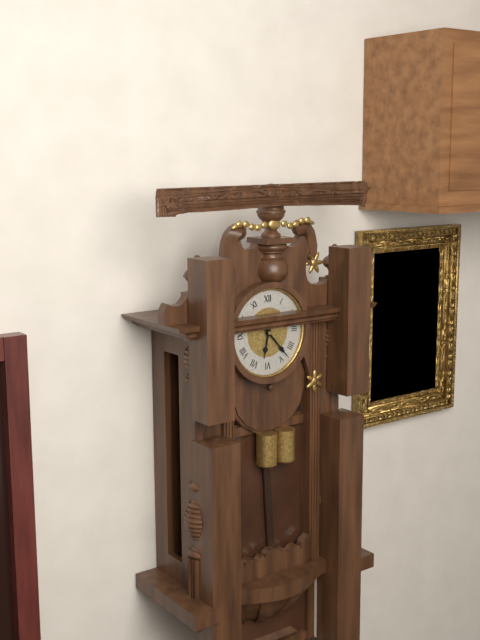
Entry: 6 h 23 min
